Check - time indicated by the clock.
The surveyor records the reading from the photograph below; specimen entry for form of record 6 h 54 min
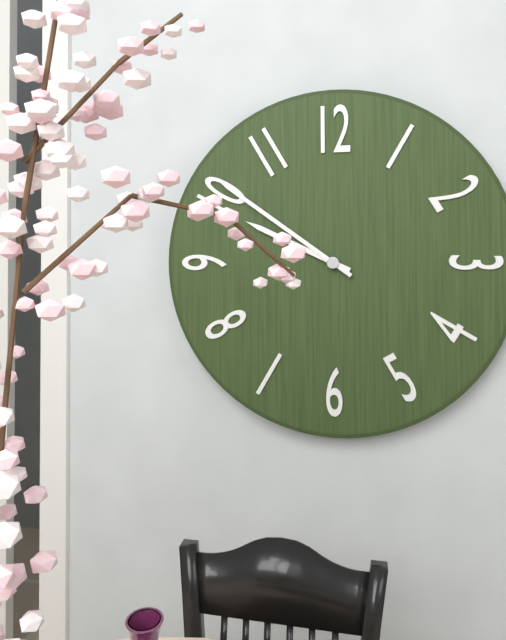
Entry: 9 h 51 min
